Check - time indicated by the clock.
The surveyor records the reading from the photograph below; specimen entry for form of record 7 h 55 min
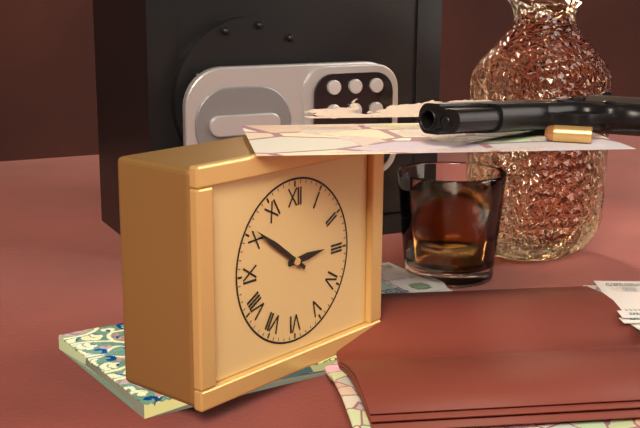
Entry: 2 h 51 min
